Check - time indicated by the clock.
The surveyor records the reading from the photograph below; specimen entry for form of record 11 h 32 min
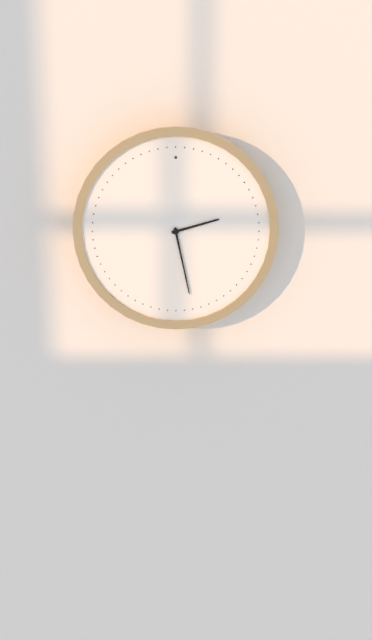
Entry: 2 h 28 min
